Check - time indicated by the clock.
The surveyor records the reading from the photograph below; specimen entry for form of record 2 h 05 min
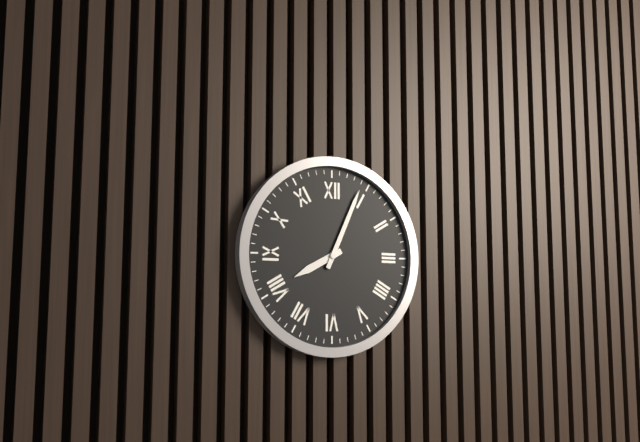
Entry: 8 h 04 min
